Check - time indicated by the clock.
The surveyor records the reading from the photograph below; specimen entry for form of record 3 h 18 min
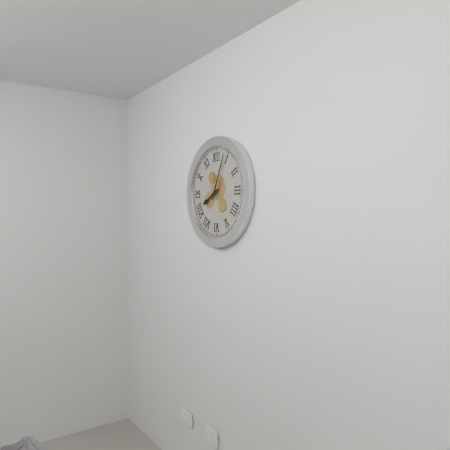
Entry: 8 h 04 min
